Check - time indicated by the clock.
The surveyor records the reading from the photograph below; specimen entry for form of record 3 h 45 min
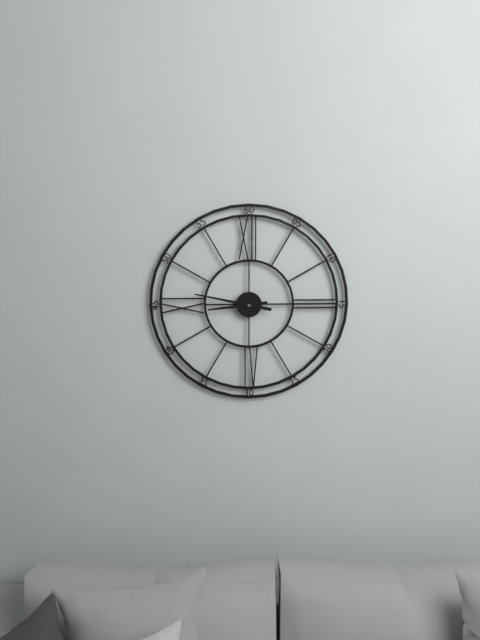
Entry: 8 h 47 min
